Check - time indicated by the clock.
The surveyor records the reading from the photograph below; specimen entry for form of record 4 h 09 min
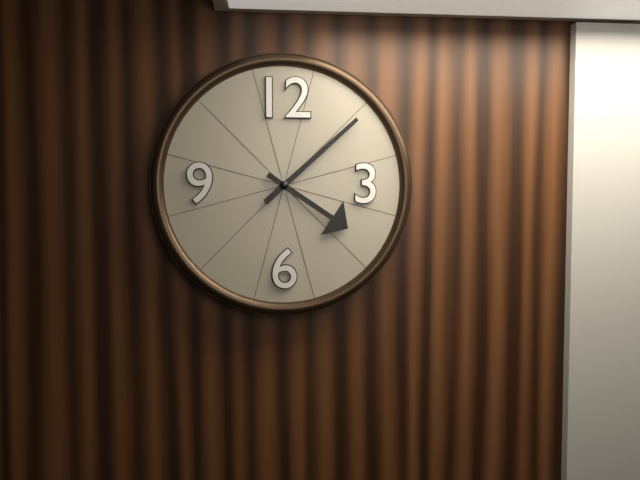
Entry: 4 h 08 min
